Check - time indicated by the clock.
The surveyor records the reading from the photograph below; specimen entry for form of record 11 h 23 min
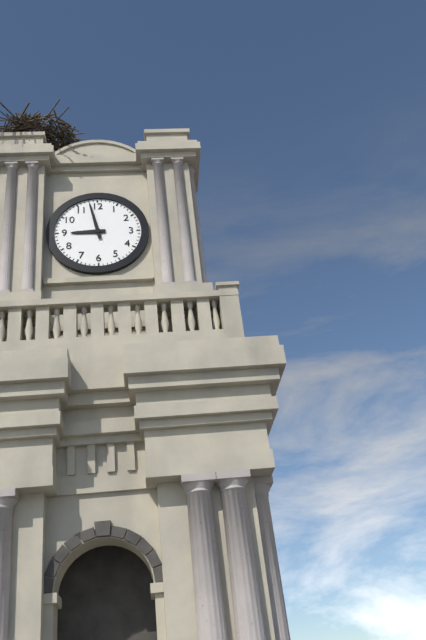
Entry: 8 h 58 min
